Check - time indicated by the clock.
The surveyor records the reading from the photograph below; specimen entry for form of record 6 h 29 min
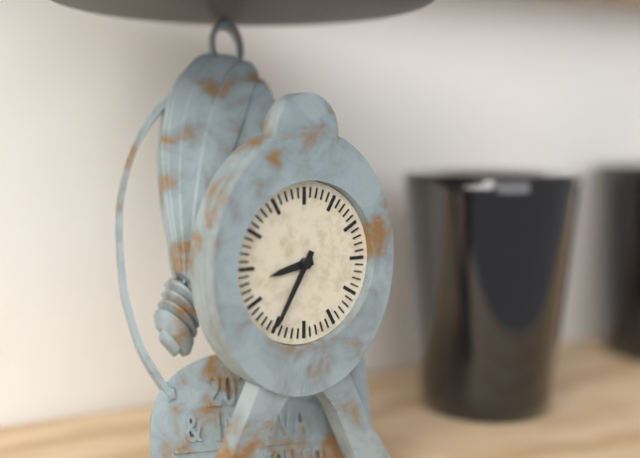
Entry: 8 h 35 min
